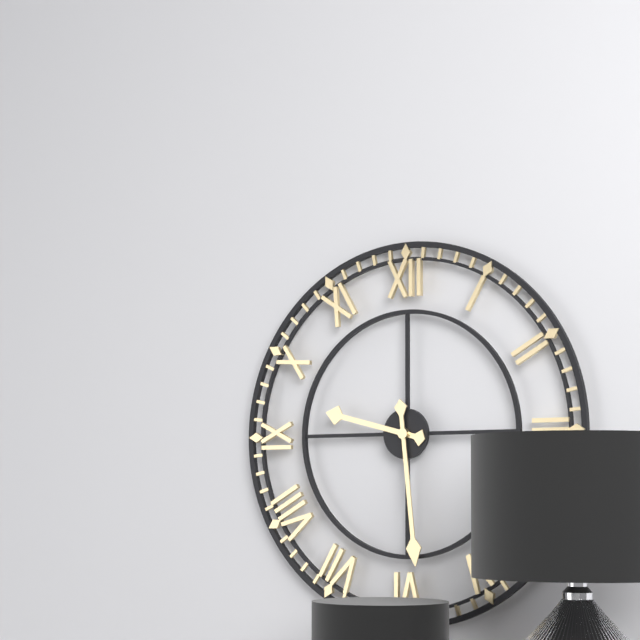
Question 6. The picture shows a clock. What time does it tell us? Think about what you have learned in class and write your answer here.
9:29
